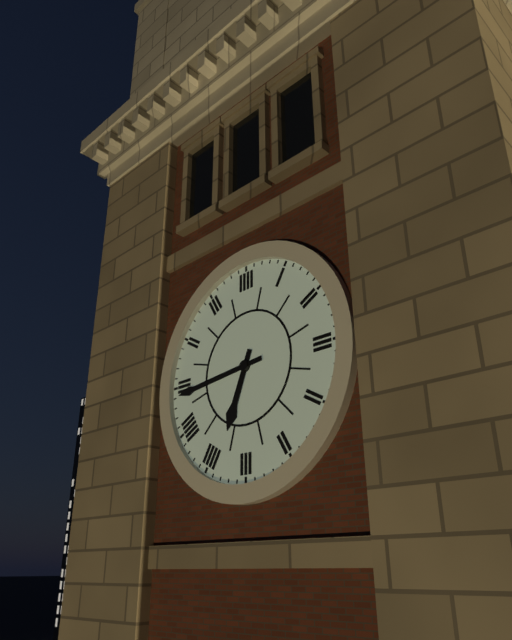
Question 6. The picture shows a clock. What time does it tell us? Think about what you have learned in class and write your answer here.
6:44
